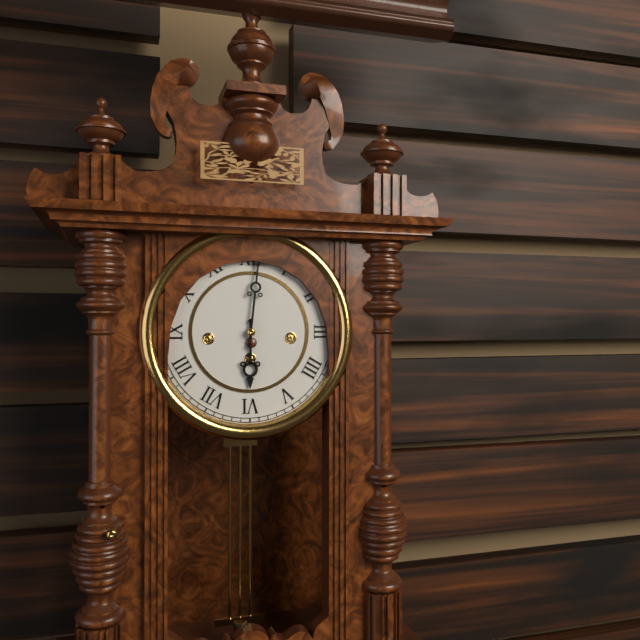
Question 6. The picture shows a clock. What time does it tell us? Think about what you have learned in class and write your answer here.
6:01
